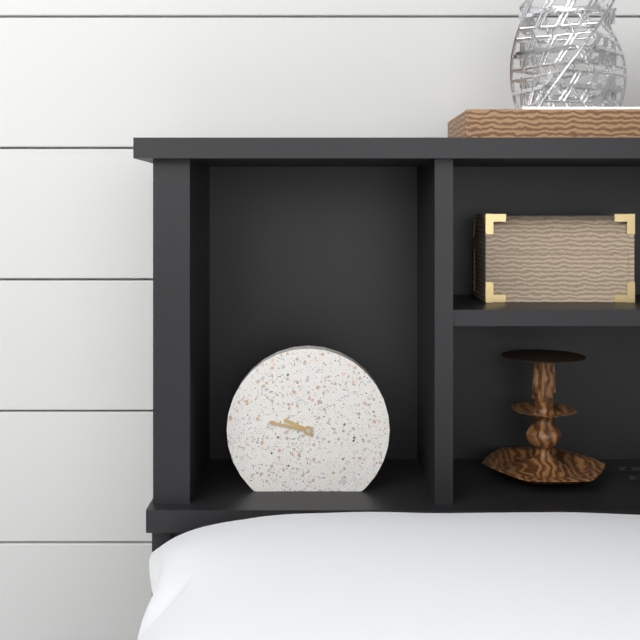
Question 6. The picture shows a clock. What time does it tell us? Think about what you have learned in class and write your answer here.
9:47
